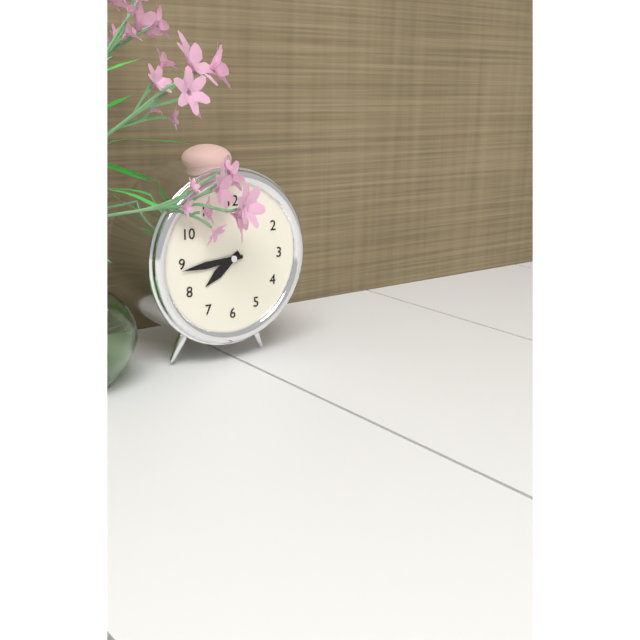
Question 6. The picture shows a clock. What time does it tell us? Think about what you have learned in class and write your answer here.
7:44
